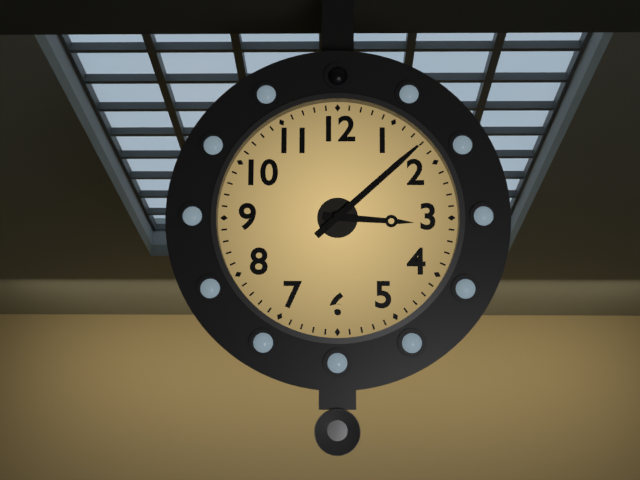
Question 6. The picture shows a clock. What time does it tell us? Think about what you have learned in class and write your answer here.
3:08
